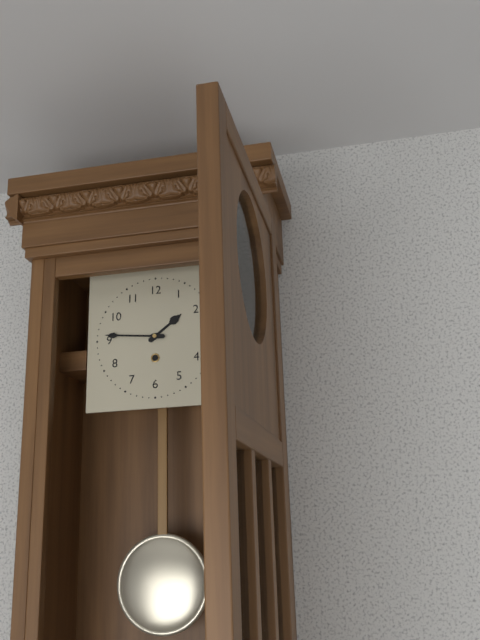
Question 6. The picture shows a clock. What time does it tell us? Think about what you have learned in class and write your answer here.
1:46
